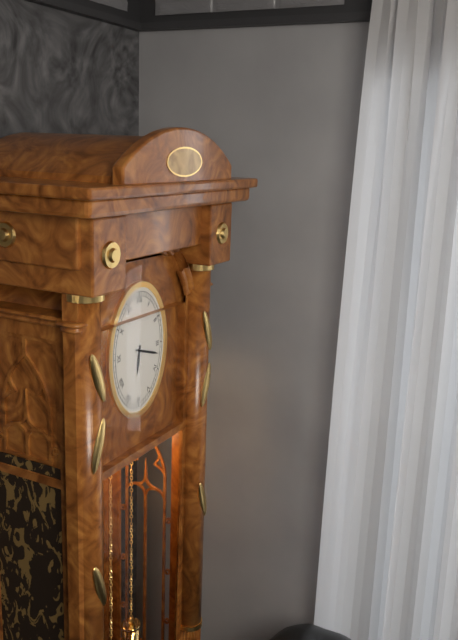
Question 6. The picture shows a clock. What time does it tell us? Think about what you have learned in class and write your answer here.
6:18
